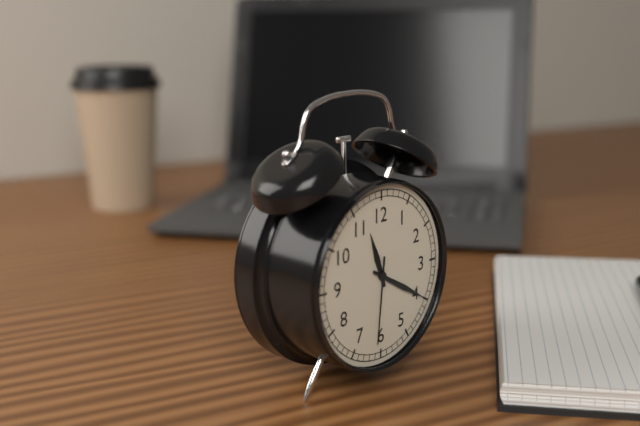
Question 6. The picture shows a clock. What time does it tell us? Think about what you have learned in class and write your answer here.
11:20:31
